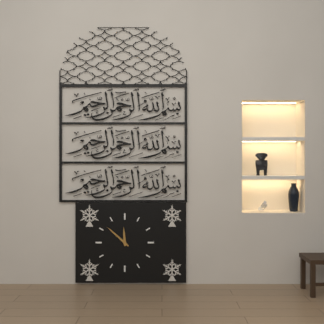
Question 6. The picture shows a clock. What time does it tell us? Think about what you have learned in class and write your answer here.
11:52
